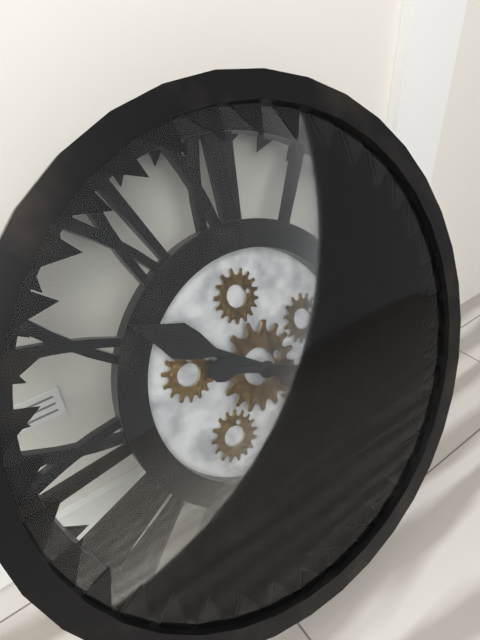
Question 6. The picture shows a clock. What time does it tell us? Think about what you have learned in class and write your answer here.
10:19
